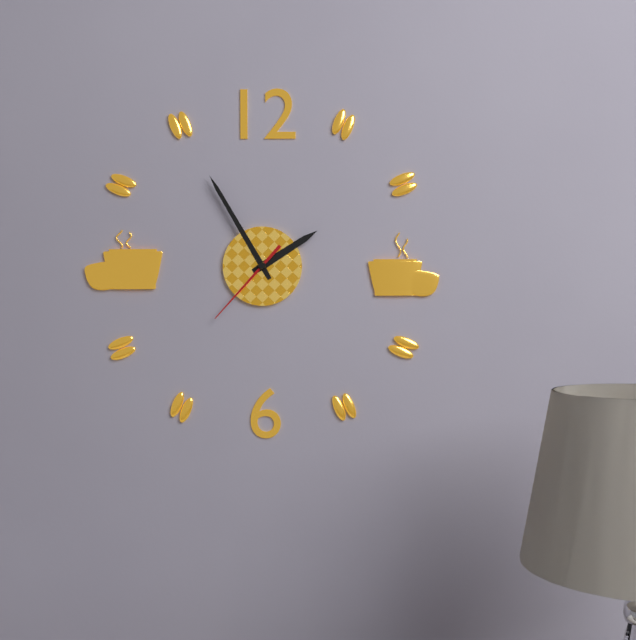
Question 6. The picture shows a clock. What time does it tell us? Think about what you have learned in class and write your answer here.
1:55:37
